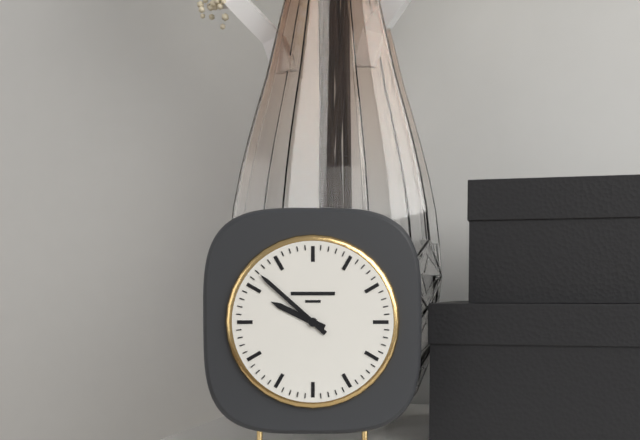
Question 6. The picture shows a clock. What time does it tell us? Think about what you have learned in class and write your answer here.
9:52
